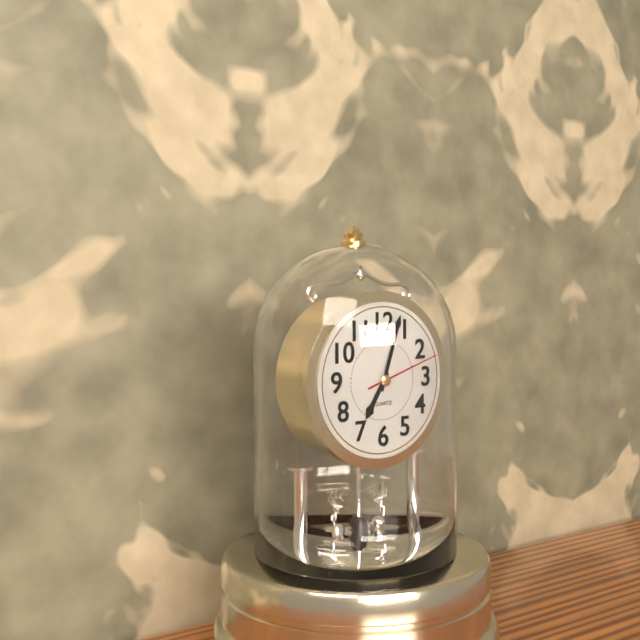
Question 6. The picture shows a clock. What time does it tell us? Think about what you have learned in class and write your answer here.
7:03:12
